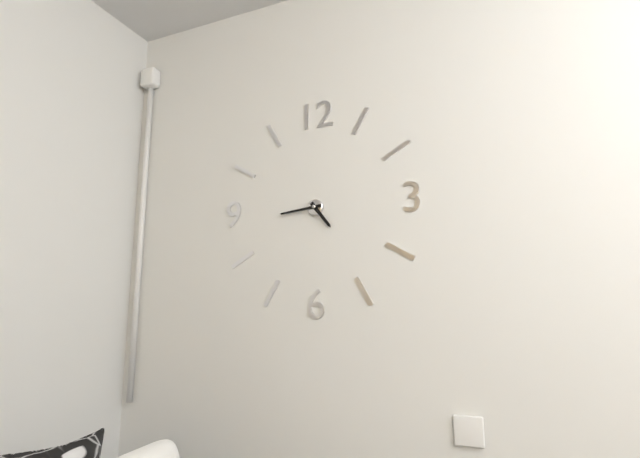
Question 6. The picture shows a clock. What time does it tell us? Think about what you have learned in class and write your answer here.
4:44
